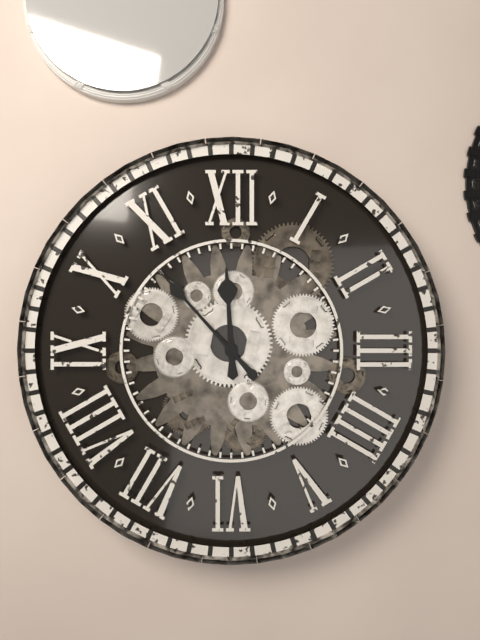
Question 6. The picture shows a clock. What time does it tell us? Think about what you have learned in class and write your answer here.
11:53
